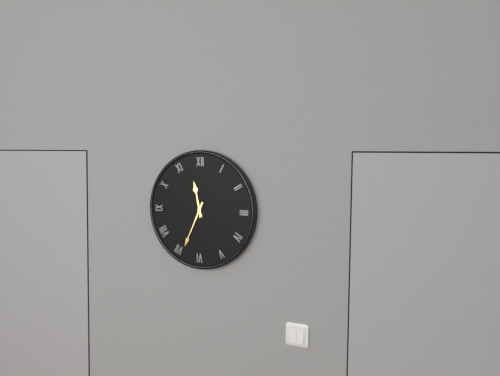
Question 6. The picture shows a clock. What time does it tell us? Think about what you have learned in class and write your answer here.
11:34
